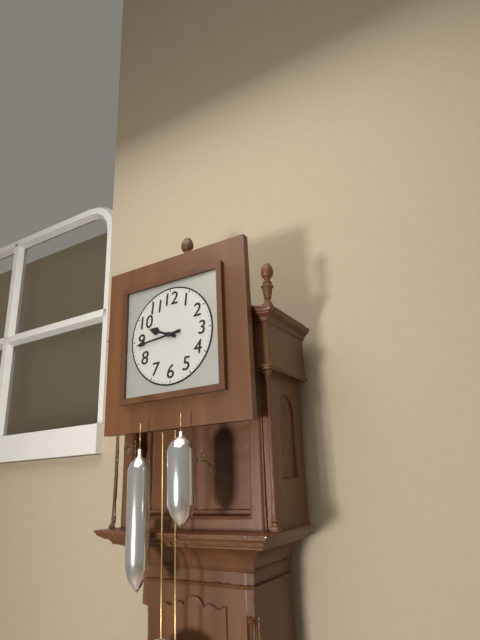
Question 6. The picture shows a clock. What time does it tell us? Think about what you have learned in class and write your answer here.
9:44
